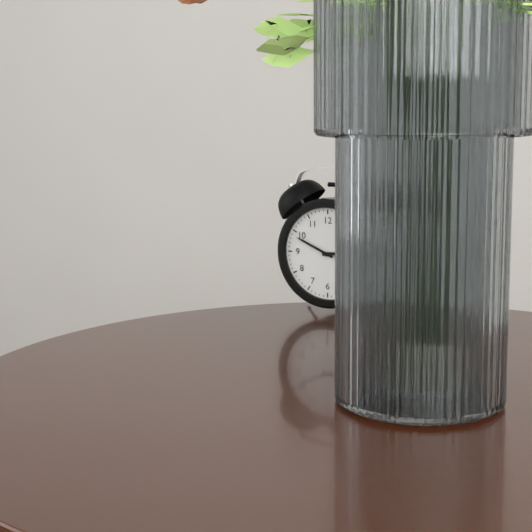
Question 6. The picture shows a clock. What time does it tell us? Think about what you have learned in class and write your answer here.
2:49
